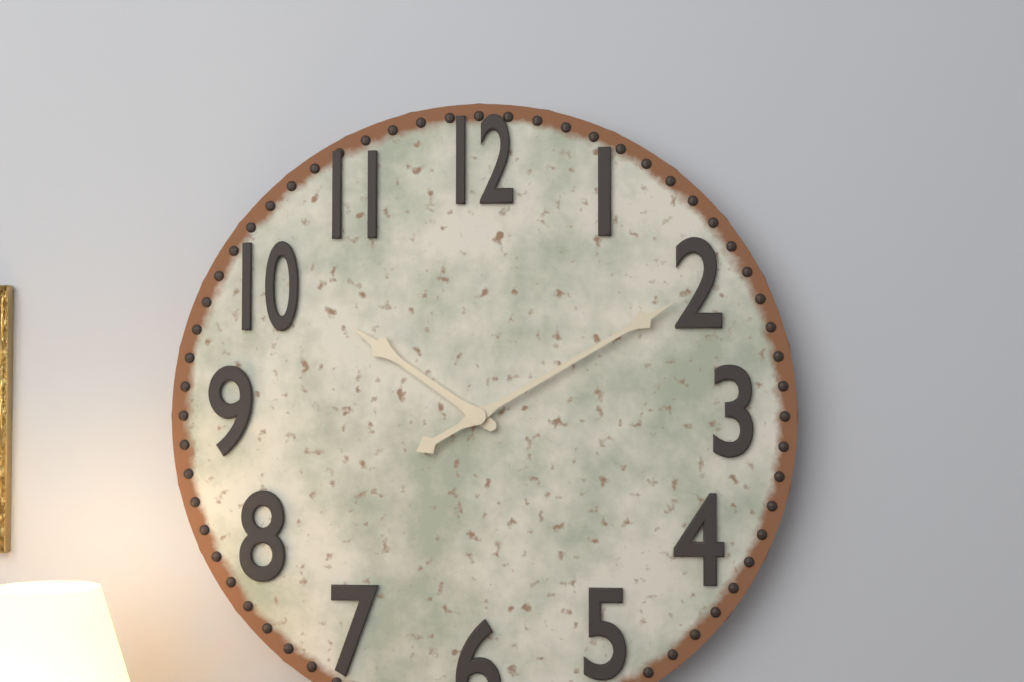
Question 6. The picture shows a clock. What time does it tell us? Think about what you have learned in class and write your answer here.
10:10
